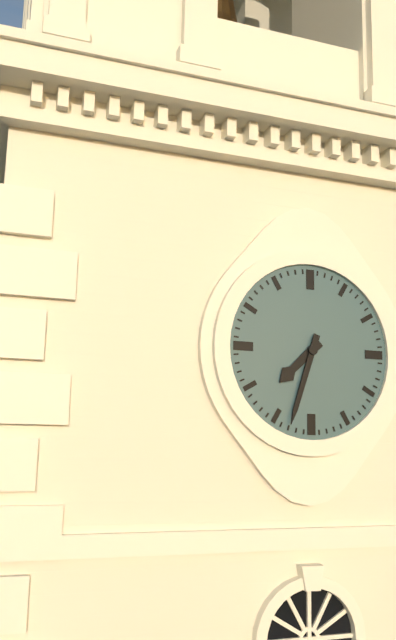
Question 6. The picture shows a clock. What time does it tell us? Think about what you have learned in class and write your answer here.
7:33
